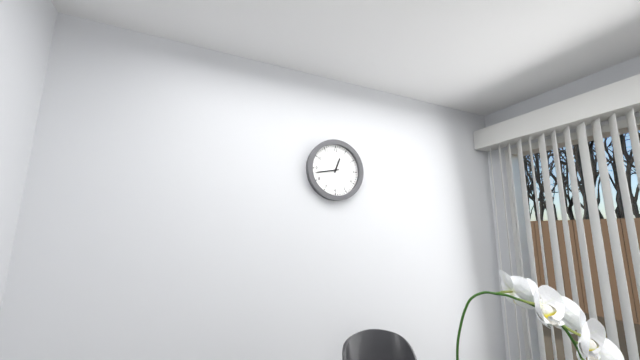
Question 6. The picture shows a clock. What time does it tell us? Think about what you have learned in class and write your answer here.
12:43
